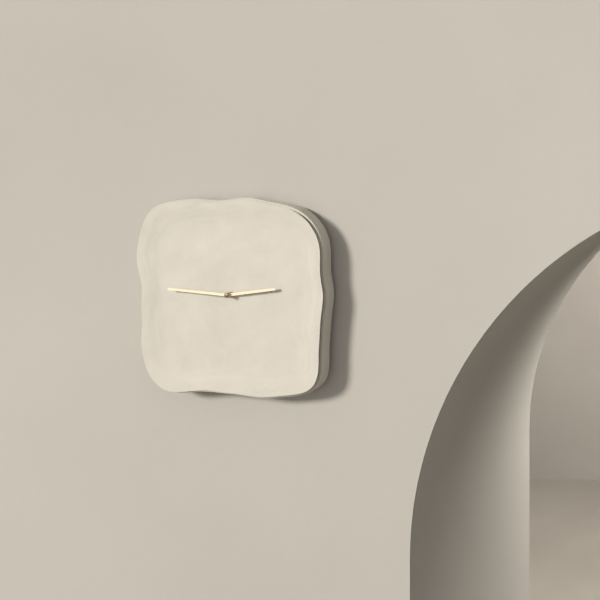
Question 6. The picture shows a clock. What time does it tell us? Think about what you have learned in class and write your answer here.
2:46
